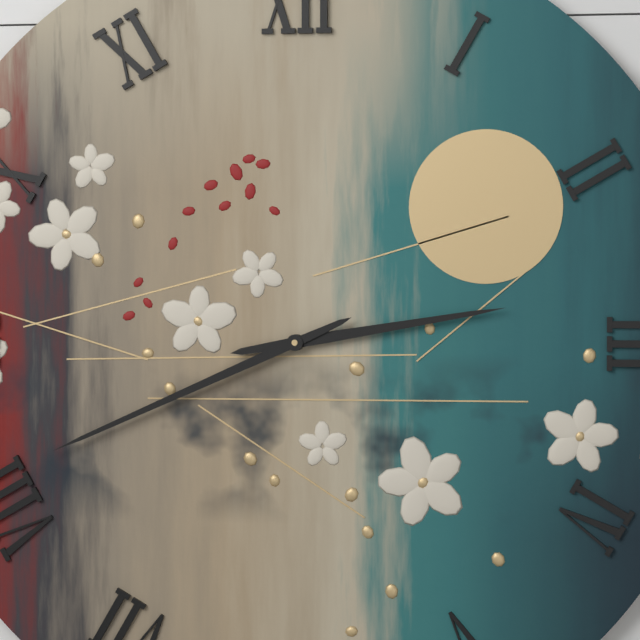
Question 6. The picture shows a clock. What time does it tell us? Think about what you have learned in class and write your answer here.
2:41
